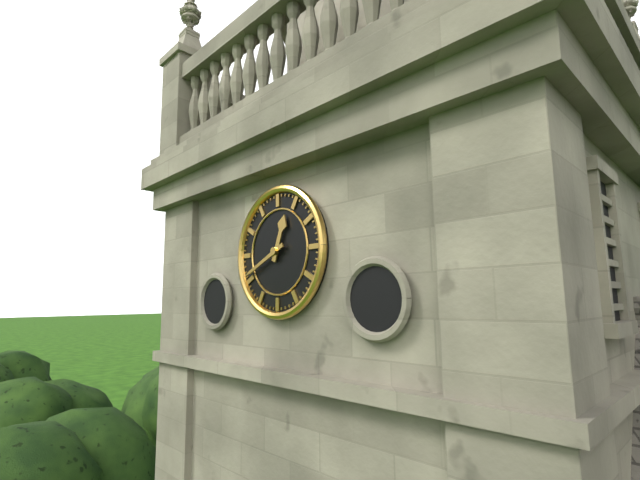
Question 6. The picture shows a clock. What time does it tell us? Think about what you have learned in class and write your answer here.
12:41
